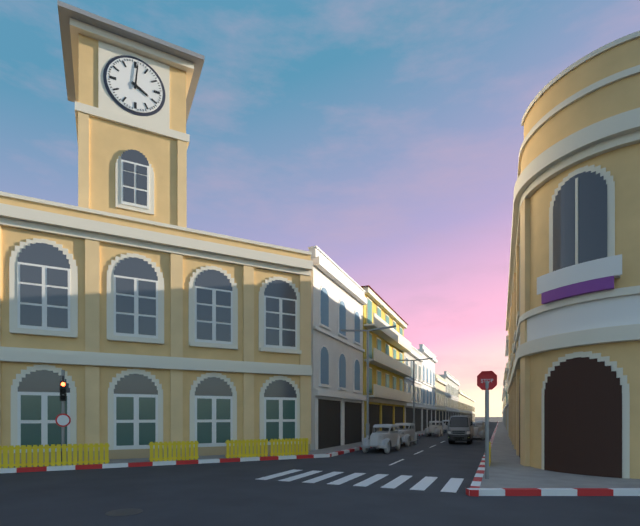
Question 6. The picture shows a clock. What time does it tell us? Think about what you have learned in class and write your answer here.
4:01
